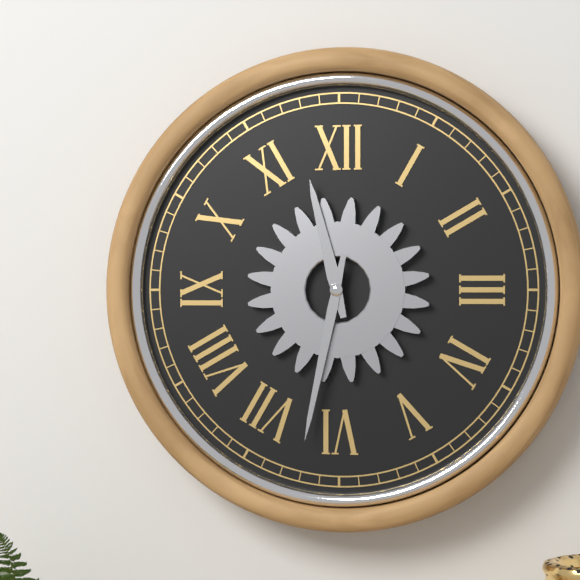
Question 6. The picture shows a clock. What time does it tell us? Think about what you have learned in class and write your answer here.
11:32
